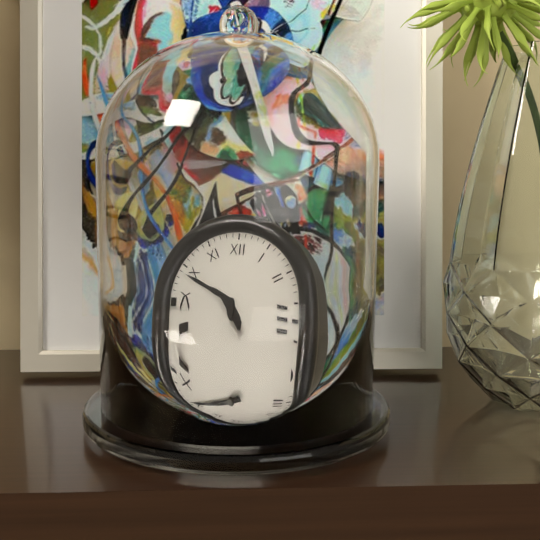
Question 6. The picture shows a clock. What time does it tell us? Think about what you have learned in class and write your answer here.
9:49
